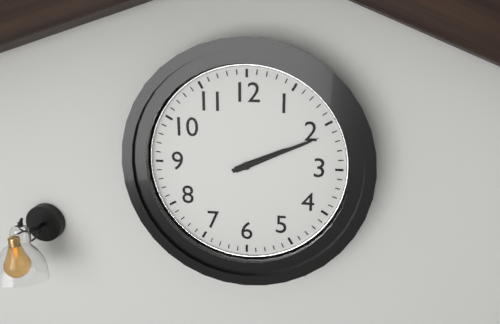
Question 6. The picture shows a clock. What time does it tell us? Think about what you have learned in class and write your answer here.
2:11
